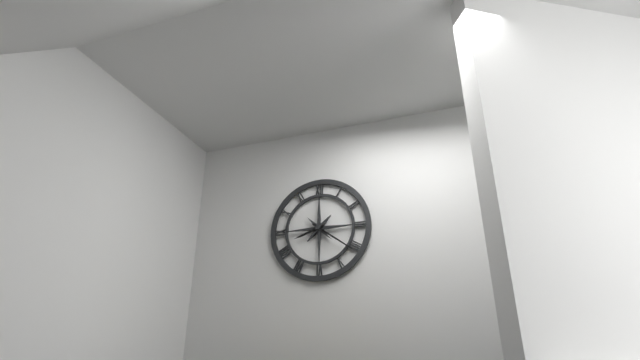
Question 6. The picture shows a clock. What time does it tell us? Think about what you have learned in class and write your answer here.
8:21
